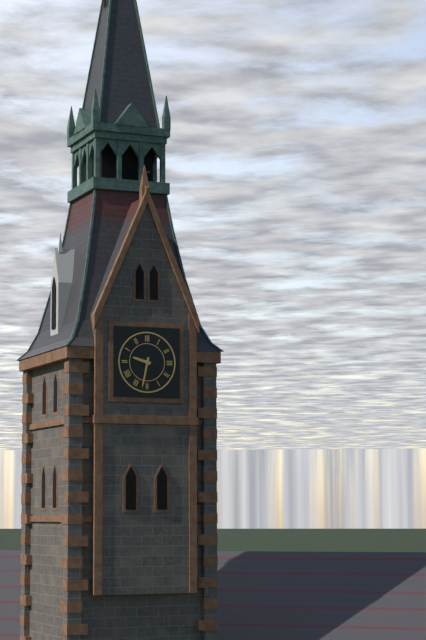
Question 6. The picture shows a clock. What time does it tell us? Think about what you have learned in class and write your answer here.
9:32
